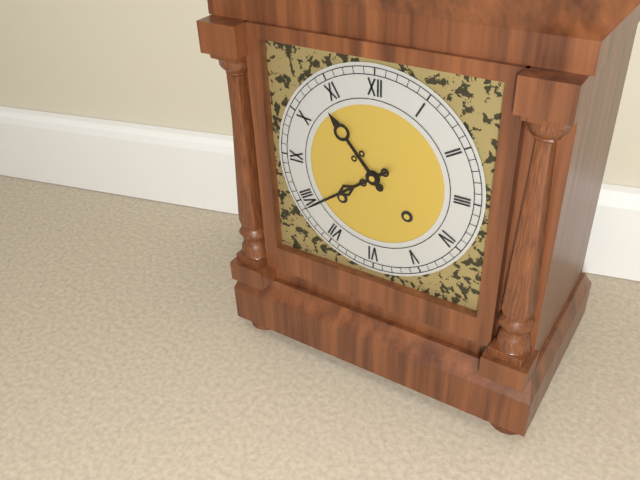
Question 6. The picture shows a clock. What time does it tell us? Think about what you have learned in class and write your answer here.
10:39
